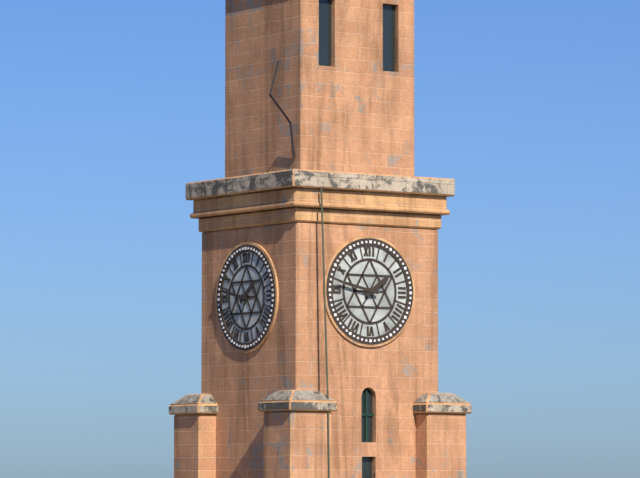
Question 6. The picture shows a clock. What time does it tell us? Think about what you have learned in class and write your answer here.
1:47
